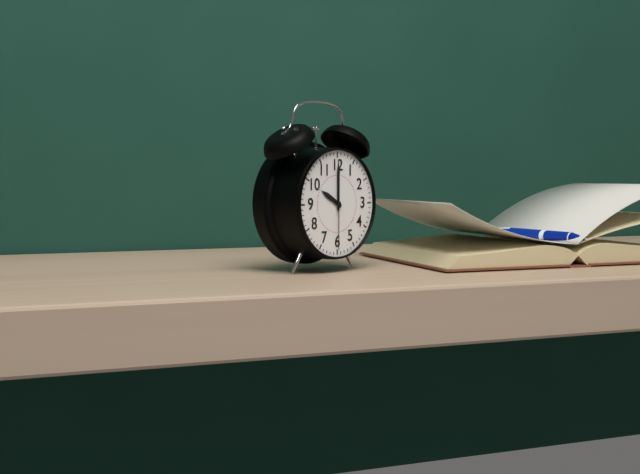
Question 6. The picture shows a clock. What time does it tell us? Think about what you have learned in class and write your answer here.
10:00:30
